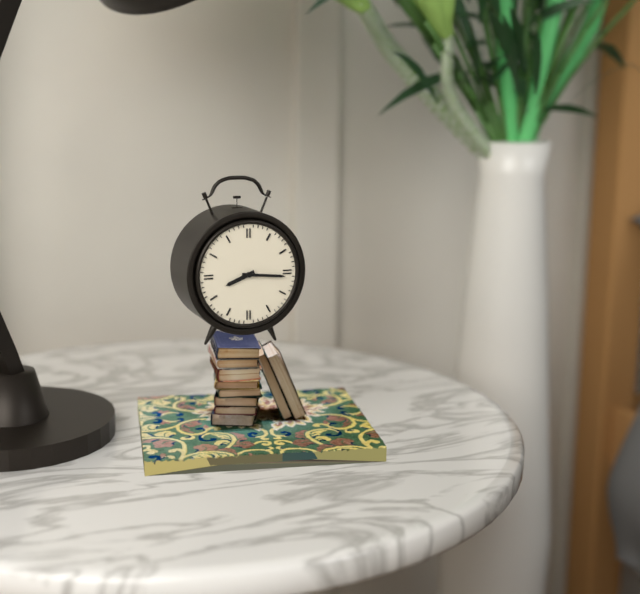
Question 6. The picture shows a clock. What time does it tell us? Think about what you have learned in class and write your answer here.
8:16
